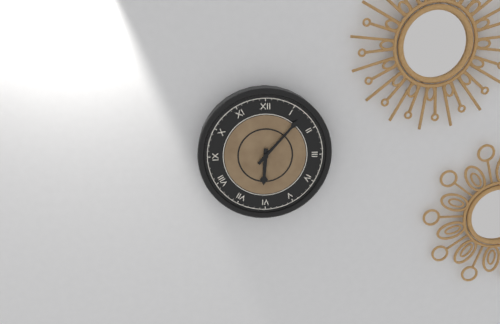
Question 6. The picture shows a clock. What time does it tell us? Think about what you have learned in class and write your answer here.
6:07
